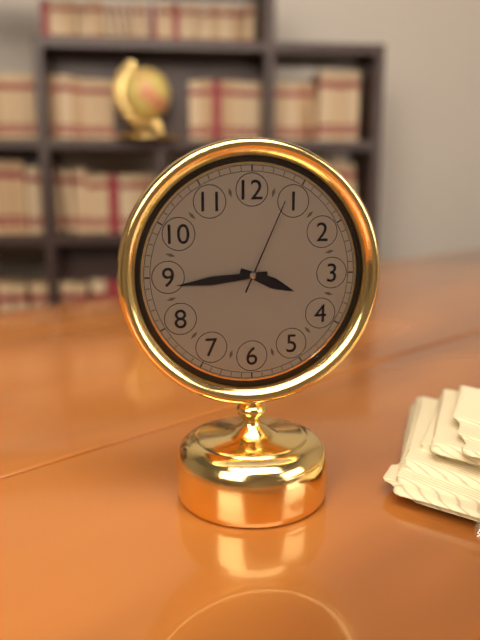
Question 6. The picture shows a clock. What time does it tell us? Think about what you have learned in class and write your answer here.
3:44:04
